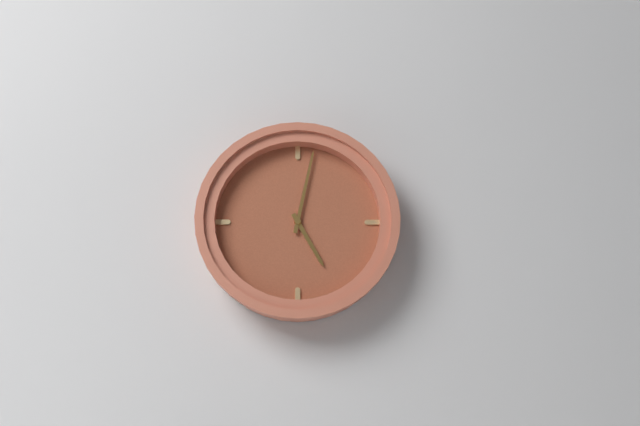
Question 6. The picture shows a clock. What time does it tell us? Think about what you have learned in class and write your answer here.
5:02
